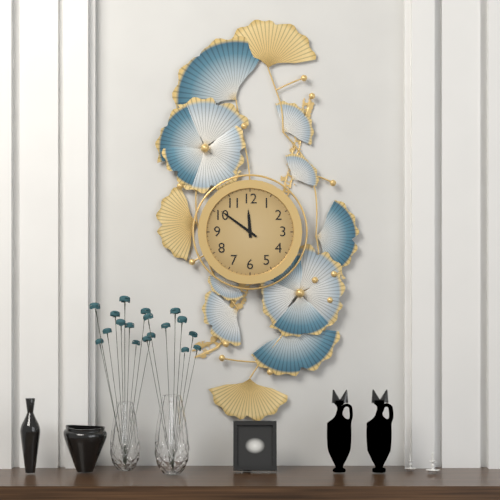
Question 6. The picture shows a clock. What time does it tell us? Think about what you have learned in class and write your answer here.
11:51
